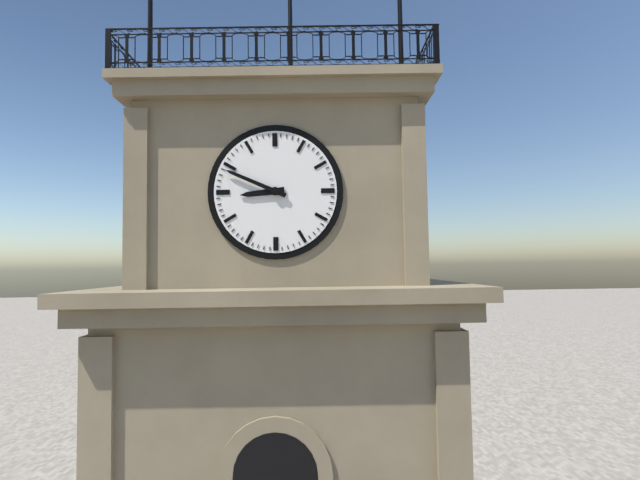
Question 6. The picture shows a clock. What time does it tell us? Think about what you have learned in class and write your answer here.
8:49
